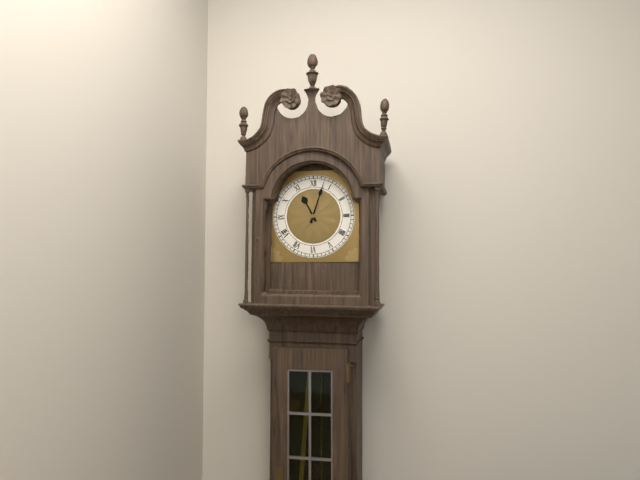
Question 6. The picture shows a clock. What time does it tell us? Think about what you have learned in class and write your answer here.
11:03
